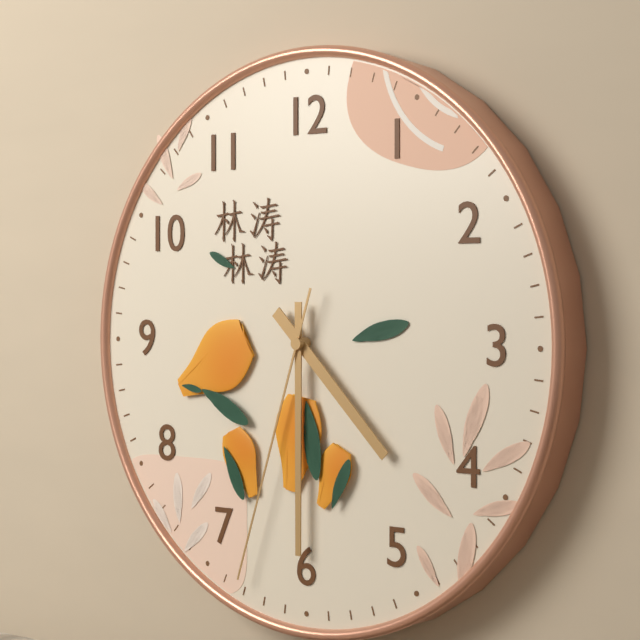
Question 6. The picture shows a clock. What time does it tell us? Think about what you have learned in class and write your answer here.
4:30:33
